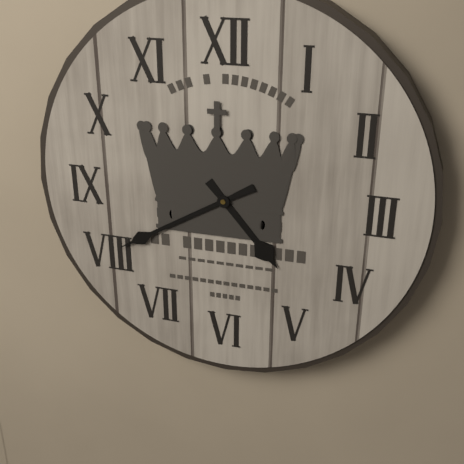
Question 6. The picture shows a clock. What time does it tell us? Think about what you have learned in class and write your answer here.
4:40
